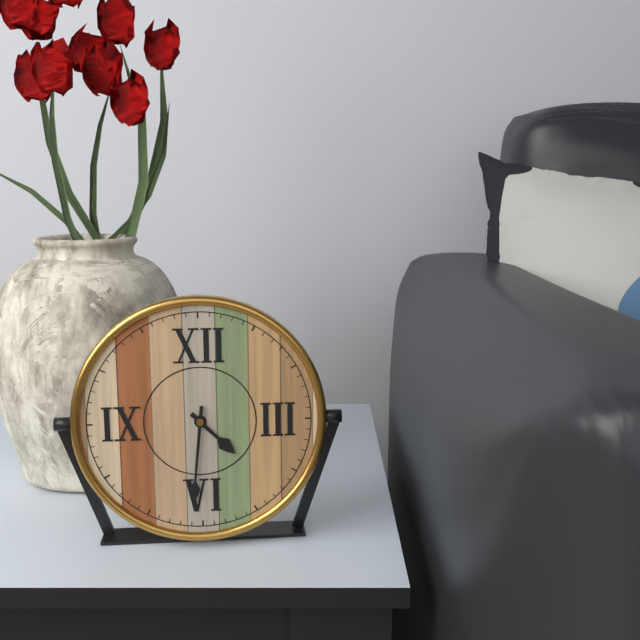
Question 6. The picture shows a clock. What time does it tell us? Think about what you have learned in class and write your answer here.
4:31
